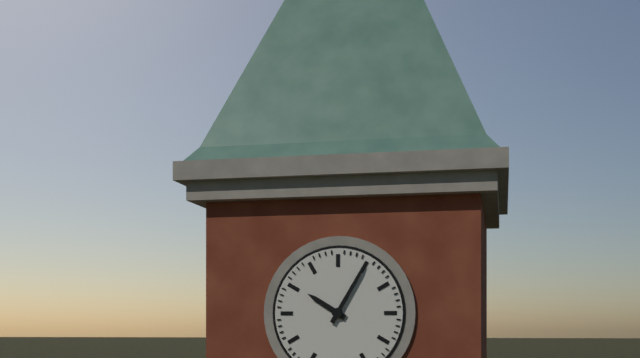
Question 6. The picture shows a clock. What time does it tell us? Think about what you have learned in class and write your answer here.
10:05
